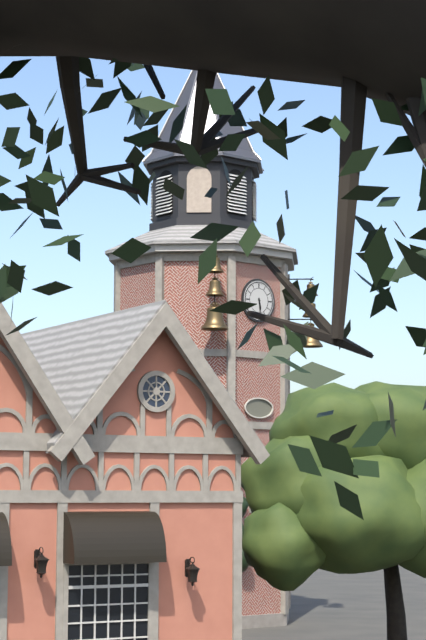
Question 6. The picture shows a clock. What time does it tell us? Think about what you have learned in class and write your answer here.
5:29
